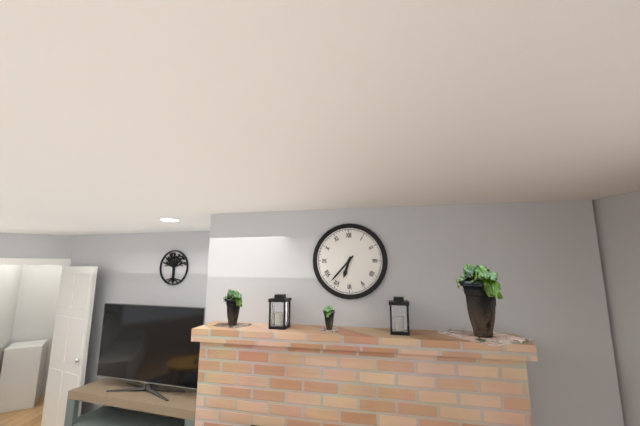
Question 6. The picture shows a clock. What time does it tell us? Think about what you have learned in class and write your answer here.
6:37
